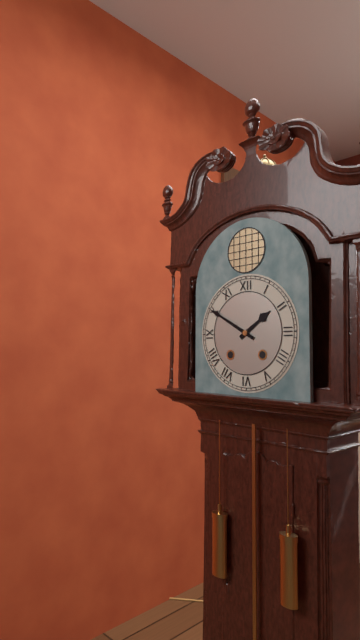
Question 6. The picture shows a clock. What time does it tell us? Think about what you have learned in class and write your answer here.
1:50
